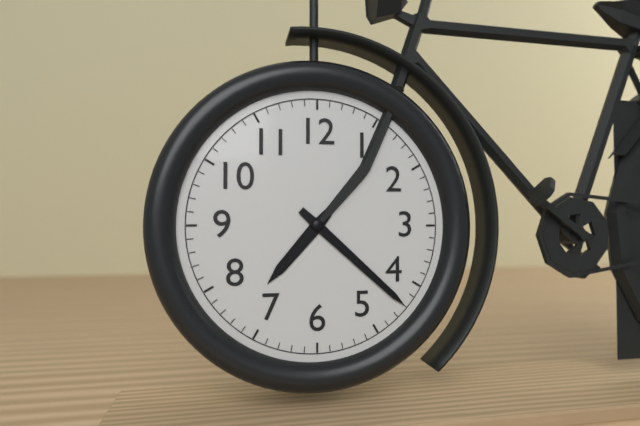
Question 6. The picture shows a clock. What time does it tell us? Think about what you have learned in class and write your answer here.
7:22
